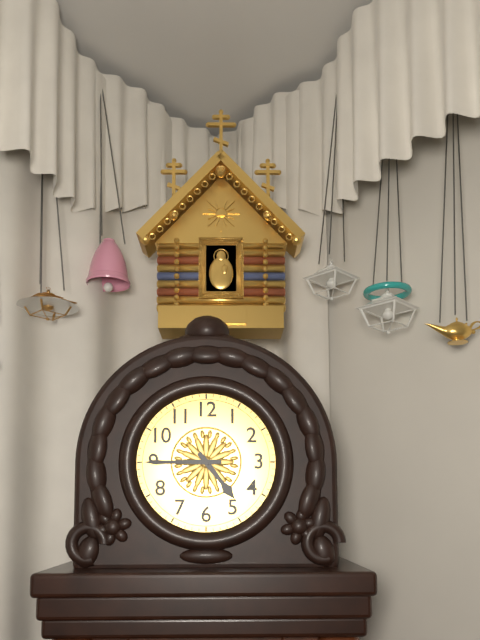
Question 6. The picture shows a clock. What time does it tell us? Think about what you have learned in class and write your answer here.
4:45
